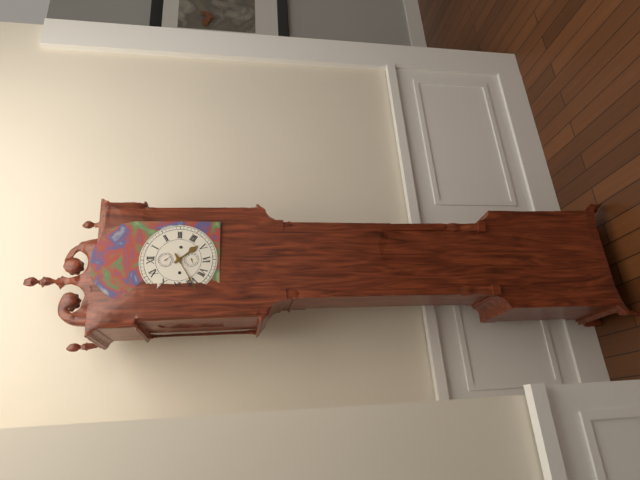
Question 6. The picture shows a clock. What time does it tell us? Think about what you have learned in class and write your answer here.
4:40
